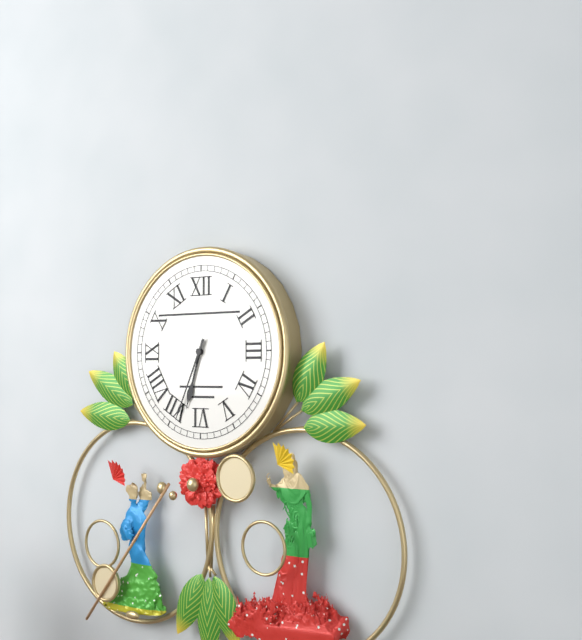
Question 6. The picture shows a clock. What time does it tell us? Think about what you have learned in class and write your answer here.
6:34
